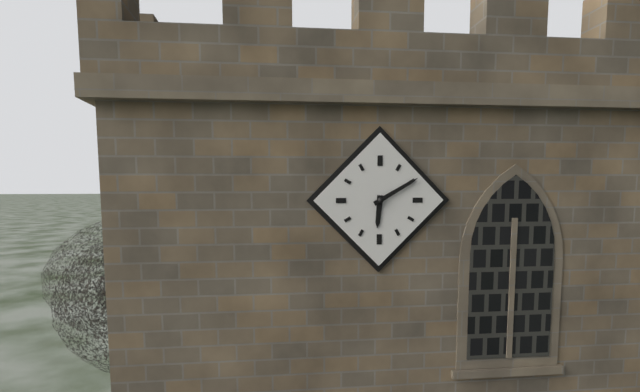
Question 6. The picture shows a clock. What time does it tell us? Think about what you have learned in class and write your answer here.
6:10
